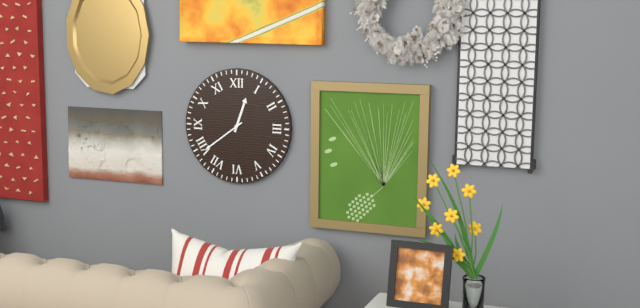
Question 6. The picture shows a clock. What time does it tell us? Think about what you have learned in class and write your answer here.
12:39
